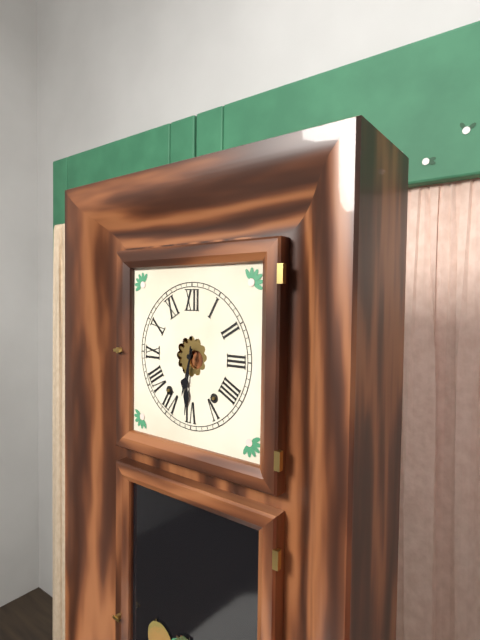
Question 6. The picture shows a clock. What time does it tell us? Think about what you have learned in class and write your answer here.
6:31
